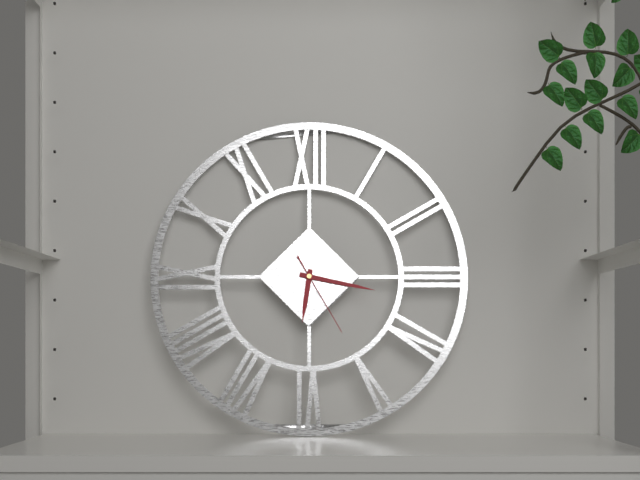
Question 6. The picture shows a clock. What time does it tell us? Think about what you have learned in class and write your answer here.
6:17:25
